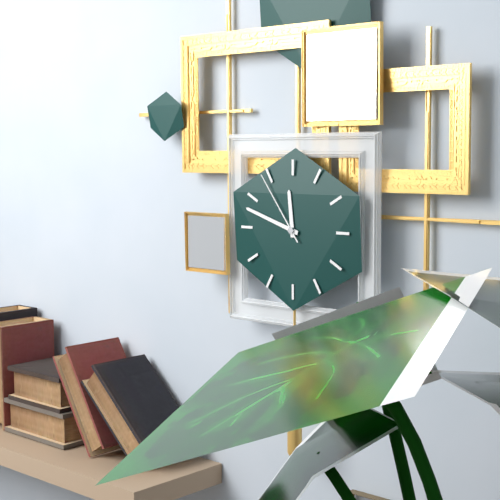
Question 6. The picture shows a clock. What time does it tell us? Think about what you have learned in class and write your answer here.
11:48:54
